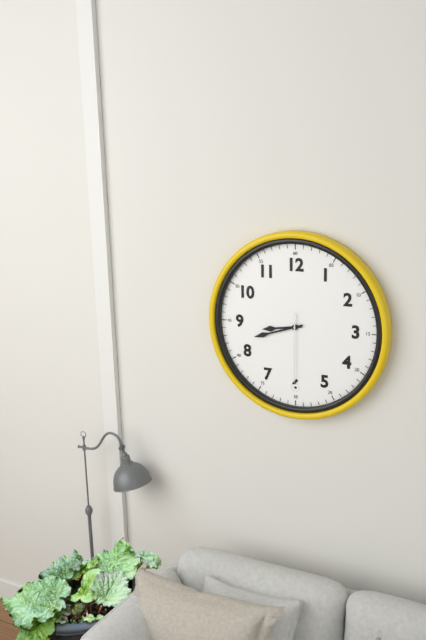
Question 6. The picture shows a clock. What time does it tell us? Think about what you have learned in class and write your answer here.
8:42:30
